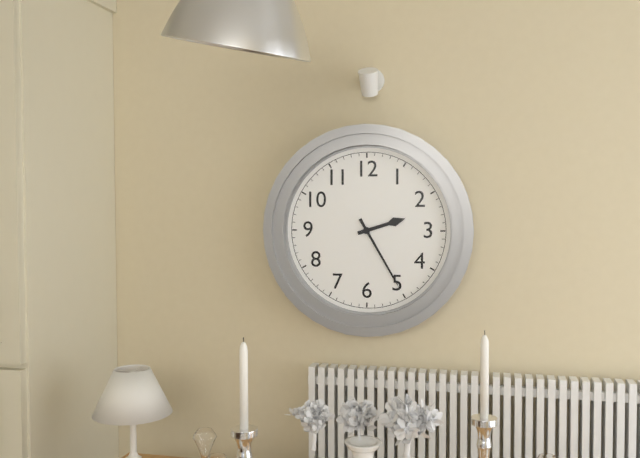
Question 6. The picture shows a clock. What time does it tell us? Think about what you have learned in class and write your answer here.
2:25
